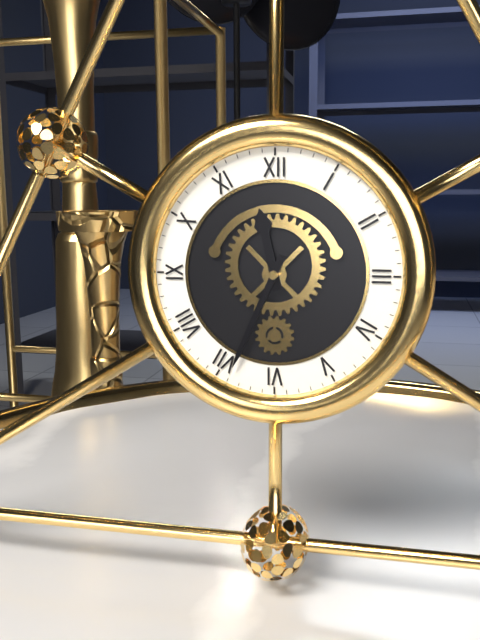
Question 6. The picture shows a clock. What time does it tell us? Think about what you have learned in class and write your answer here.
11:34
